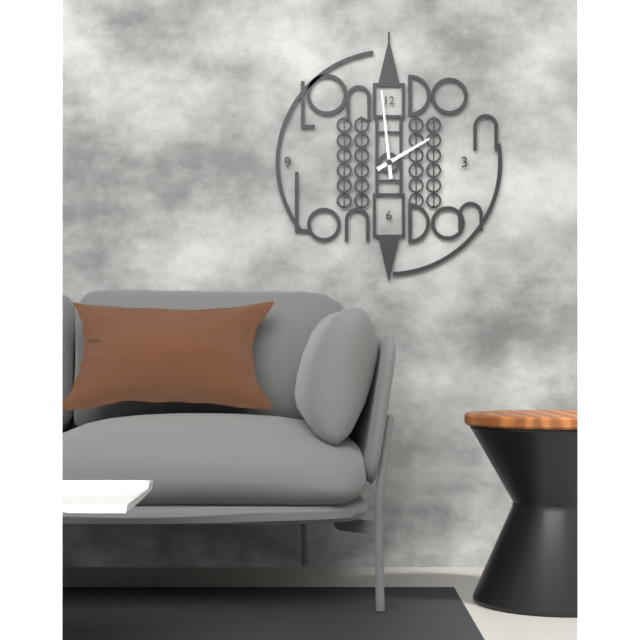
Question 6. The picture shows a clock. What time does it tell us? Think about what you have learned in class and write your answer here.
1:59
